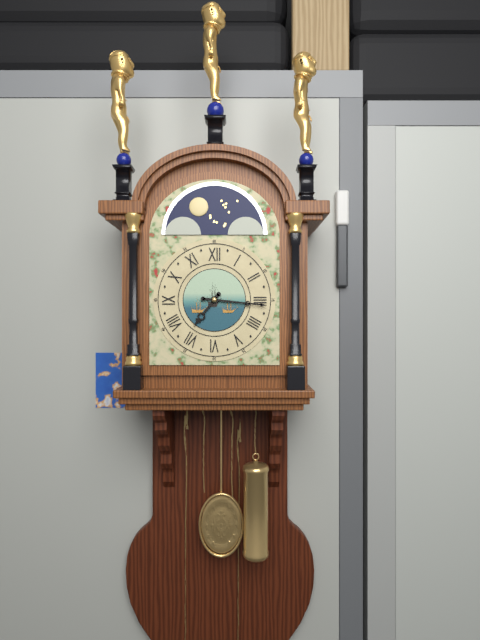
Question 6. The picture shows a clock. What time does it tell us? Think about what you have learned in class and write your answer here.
7:16
